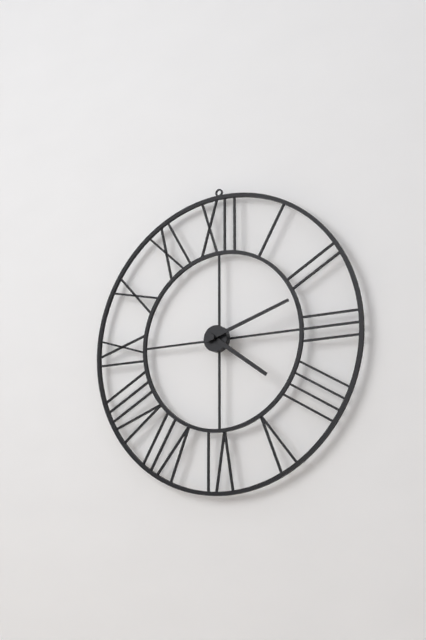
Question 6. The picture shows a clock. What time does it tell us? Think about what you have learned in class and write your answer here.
4:12
